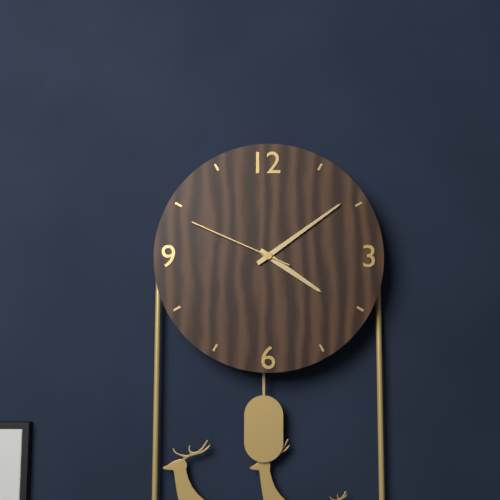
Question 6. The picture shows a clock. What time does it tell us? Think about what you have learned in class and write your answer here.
4:09:49
